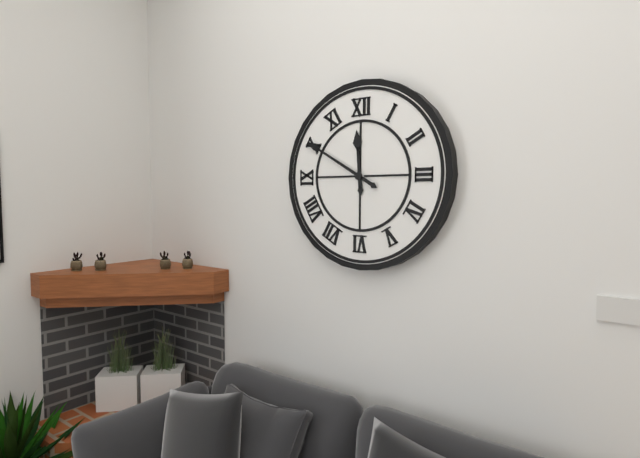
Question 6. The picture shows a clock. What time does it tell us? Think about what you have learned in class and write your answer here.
11:50
